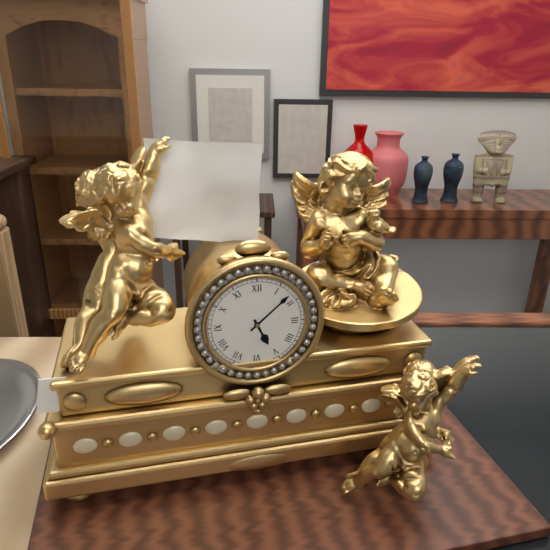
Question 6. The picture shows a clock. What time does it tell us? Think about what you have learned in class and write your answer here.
5:08
